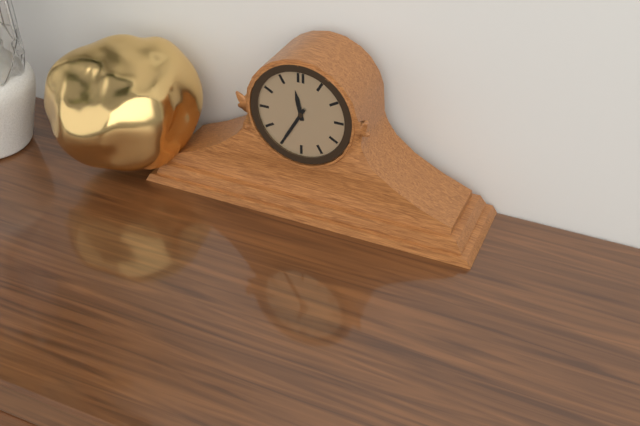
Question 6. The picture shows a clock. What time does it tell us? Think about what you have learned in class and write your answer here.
11:35
